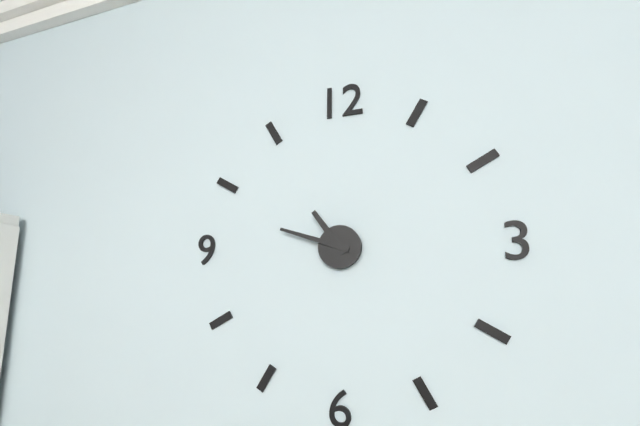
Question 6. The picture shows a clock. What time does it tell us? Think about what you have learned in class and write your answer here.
10:48
